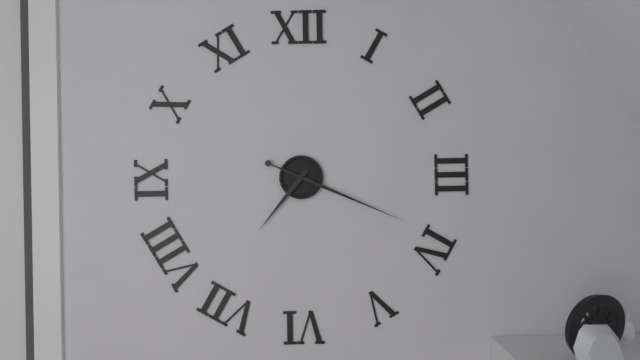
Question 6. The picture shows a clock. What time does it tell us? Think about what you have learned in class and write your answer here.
7:19
